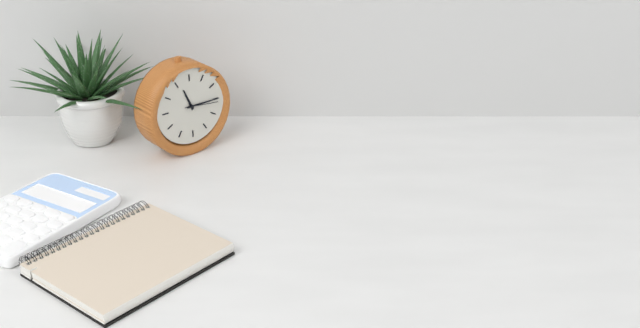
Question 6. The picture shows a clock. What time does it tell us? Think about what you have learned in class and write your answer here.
11:15
